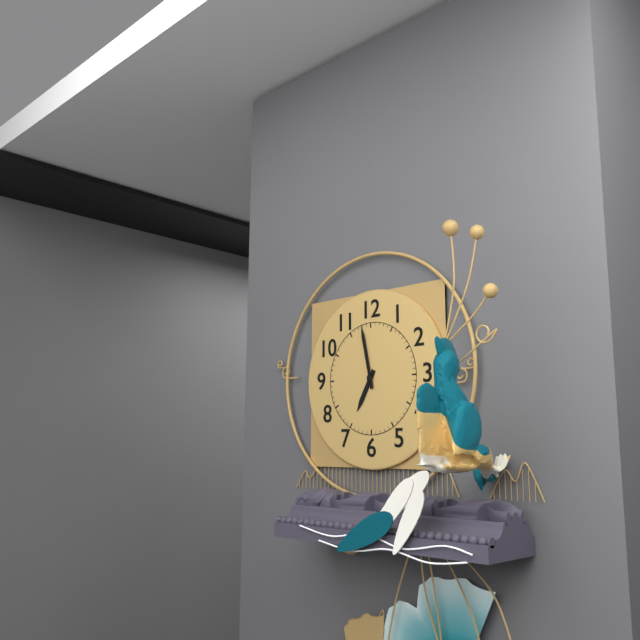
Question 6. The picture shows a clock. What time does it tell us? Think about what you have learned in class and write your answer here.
6:58
